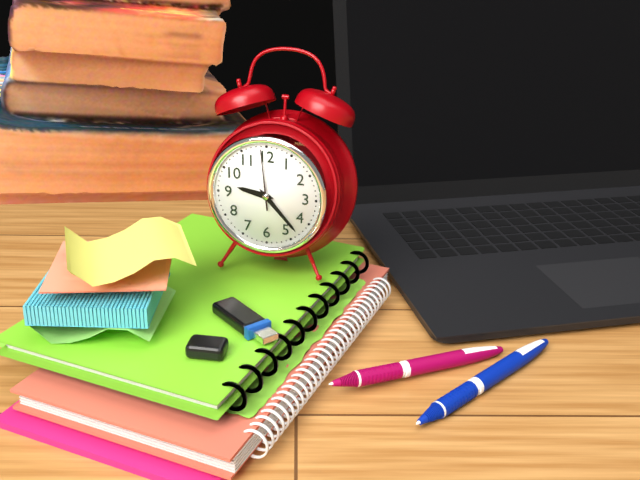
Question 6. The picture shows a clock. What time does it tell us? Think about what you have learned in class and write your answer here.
9:23:59
